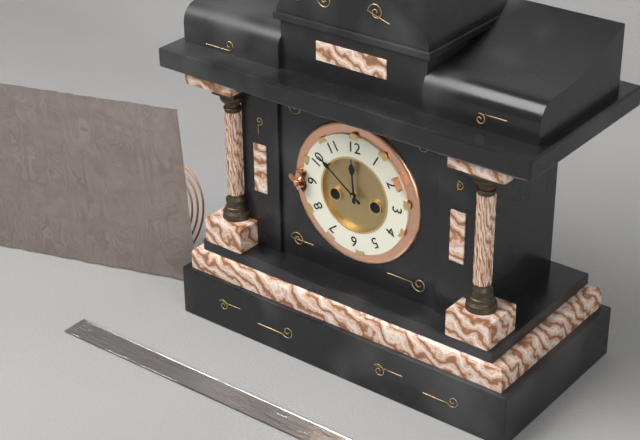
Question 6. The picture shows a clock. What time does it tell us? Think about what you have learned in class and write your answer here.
11:51
